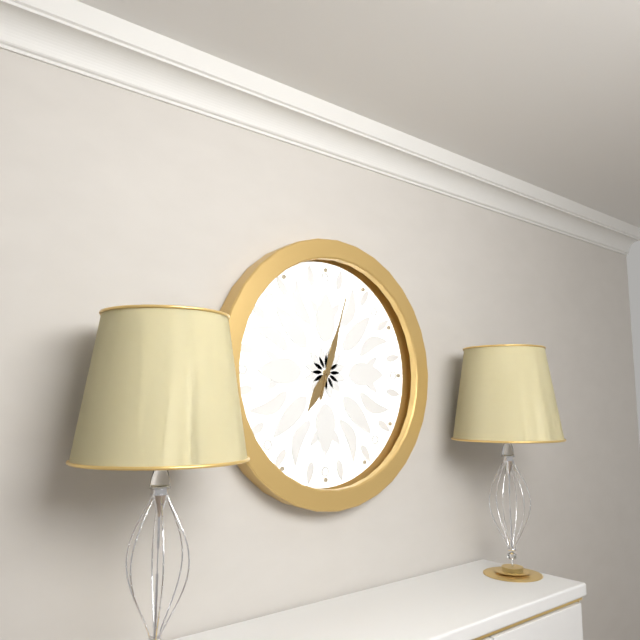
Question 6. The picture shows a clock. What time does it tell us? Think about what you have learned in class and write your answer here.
7:03
